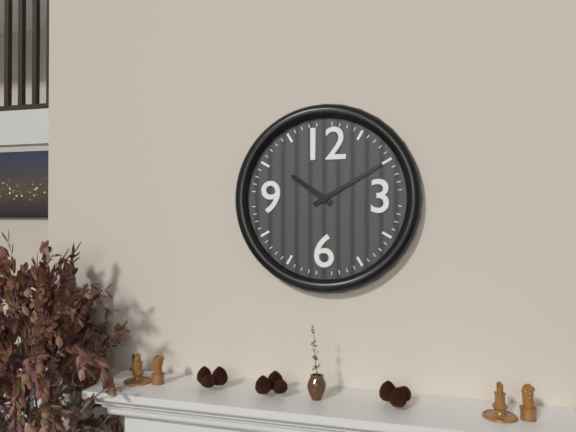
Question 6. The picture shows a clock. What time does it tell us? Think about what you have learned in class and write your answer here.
10:10
